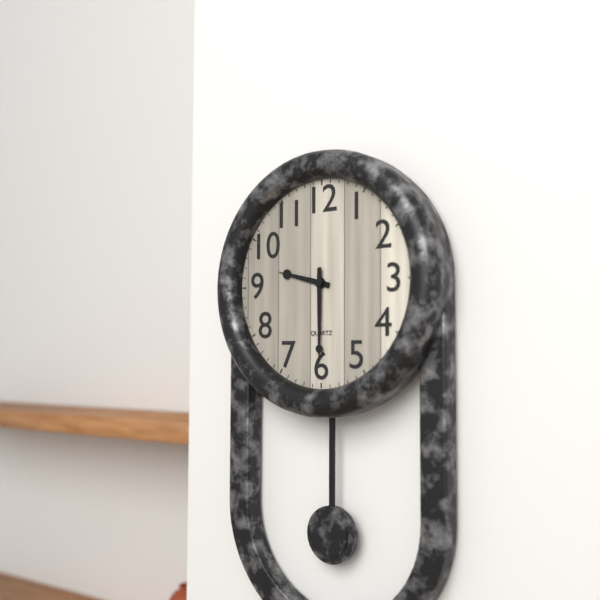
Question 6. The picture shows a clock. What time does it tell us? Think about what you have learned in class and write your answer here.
9:30
